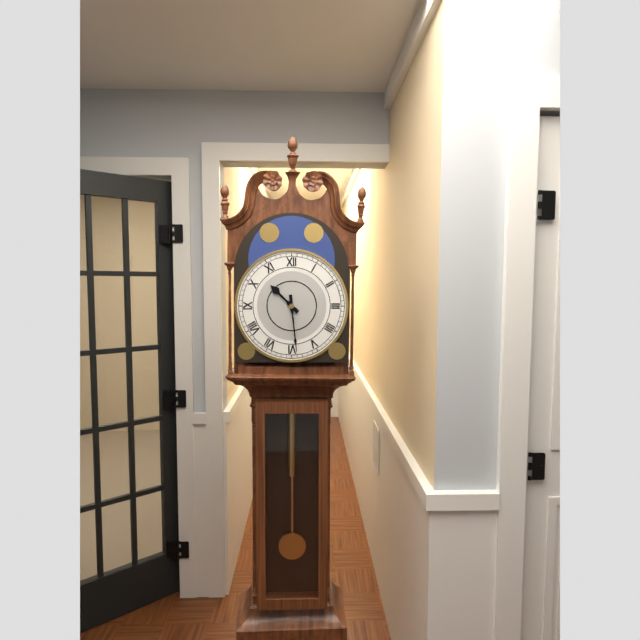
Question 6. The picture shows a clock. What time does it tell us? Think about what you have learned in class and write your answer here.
10:29
